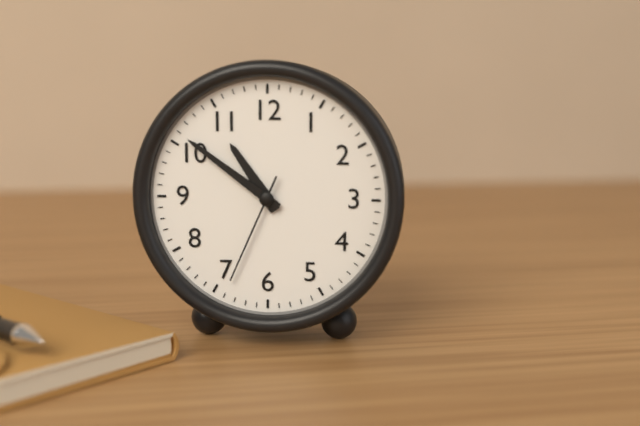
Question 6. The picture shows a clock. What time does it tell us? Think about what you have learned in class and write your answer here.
10:51:34
